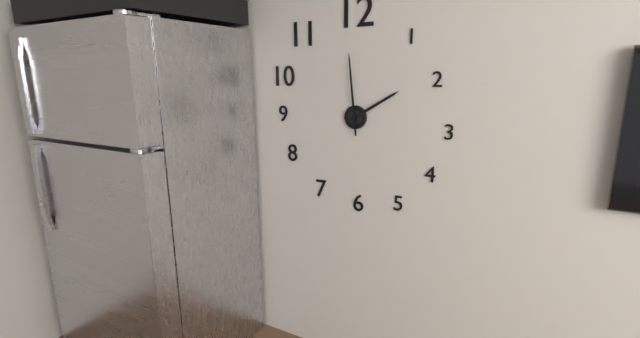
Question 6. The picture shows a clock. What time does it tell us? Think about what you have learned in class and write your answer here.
1:59
